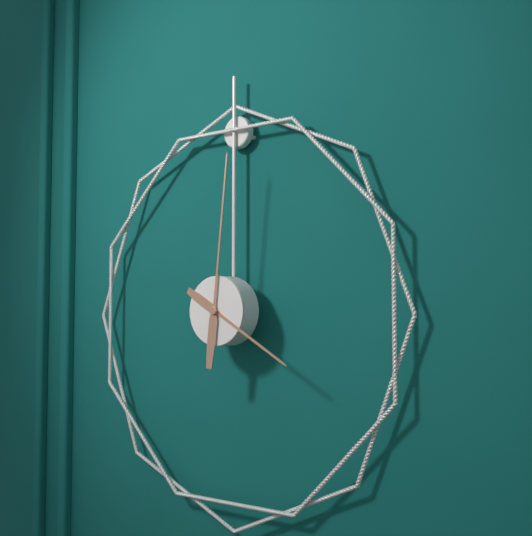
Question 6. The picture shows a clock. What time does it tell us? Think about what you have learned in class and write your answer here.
4:01
